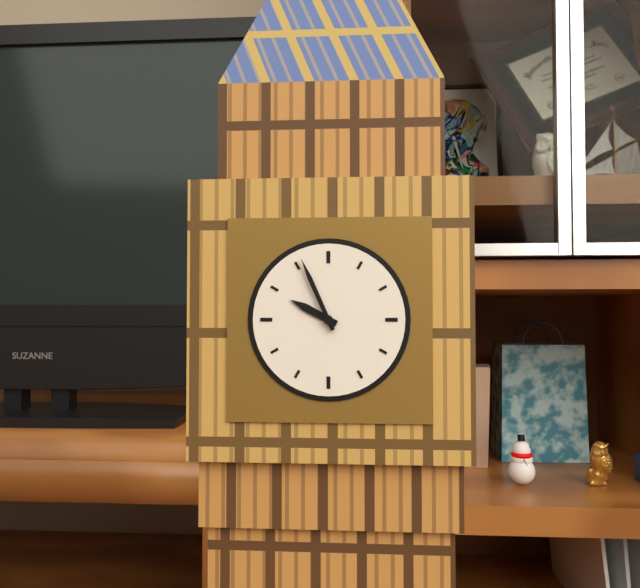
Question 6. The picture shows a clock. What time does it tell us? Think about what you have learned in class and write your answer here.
9:56
